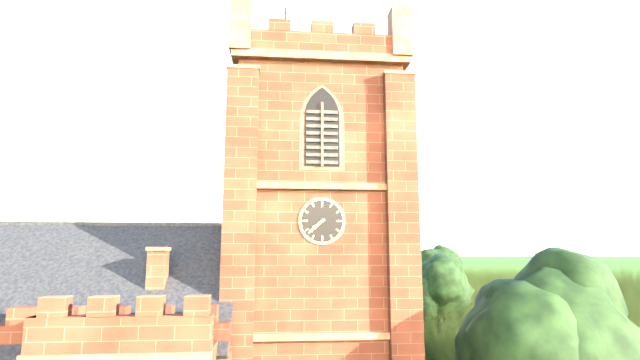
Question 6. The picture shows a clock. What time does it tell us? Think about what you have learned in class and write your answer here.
7:38
